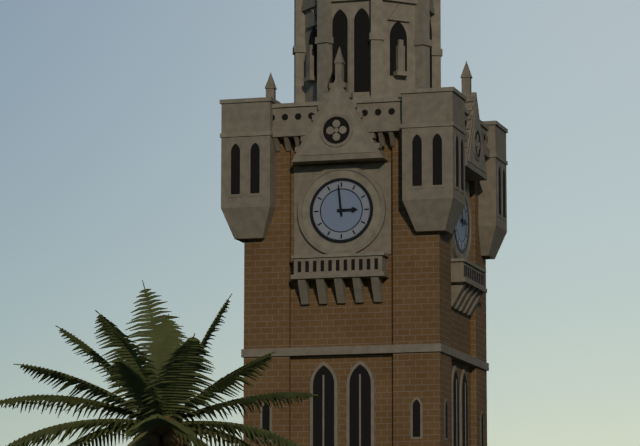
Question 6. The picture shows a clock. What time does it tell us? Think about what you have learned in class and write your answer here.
2:59
